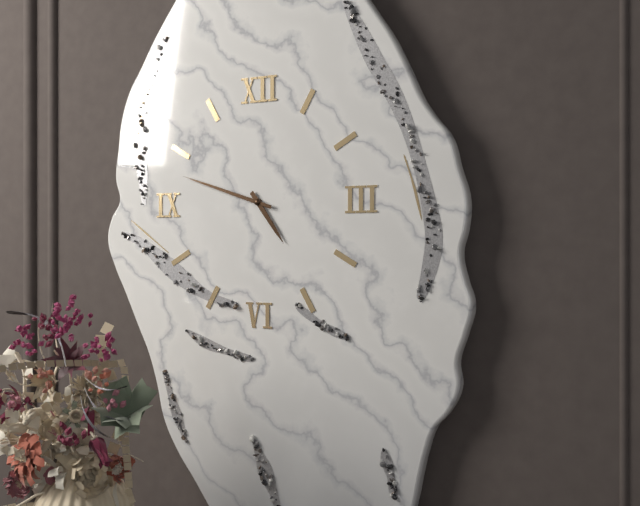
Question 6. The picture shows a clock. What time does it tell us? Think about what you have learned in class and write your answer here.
4:48
